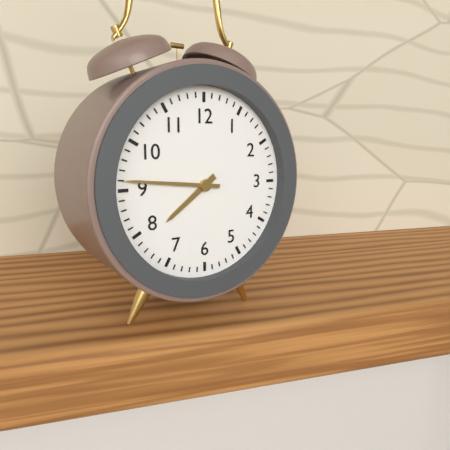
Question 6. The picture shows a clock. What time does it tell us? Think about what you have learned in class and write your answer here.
7:46
